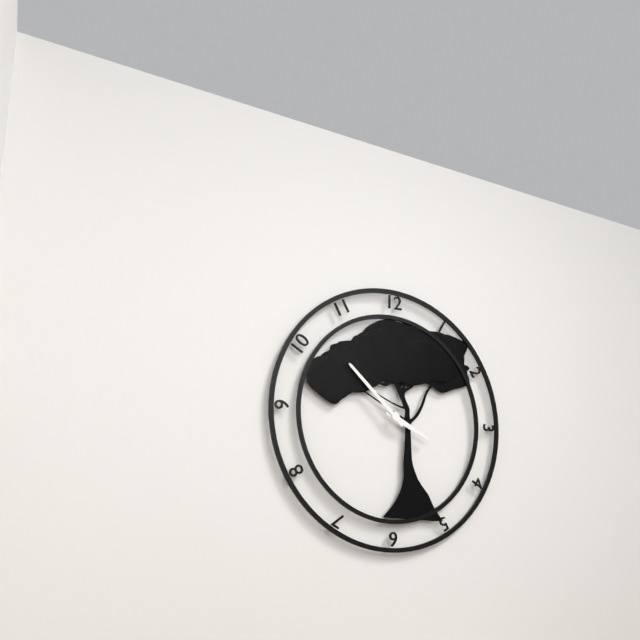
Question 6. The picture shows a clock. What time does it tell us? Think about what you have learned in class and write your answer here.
3:52
